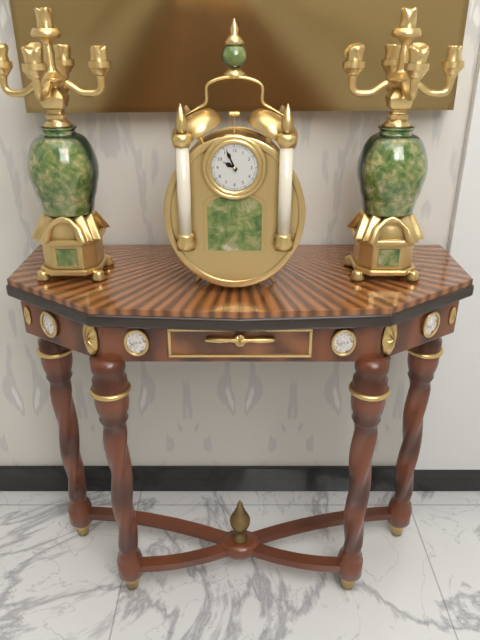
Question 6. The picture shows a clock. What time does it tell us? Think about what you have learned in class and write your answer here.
9:56
